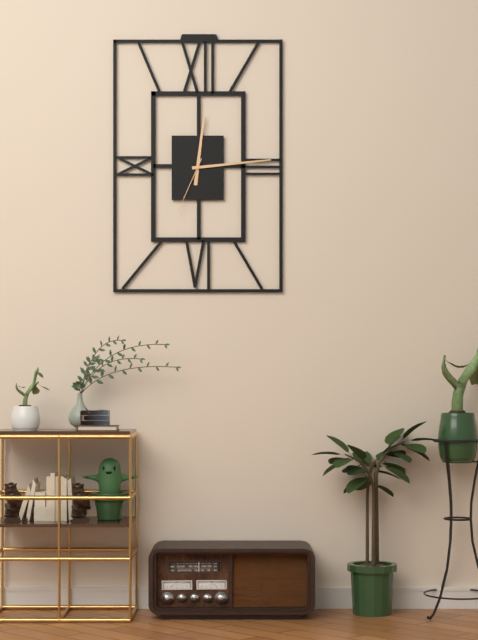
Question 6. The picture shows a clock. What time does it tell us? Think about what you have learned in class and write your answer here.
12:14:34
